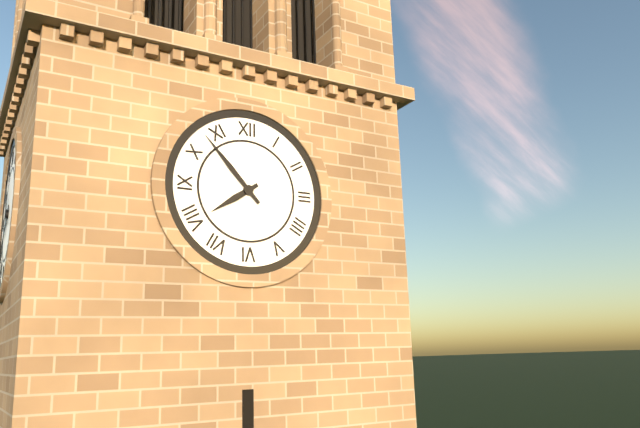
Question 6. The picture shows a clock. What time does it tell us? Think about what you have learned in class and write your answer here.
7:53
